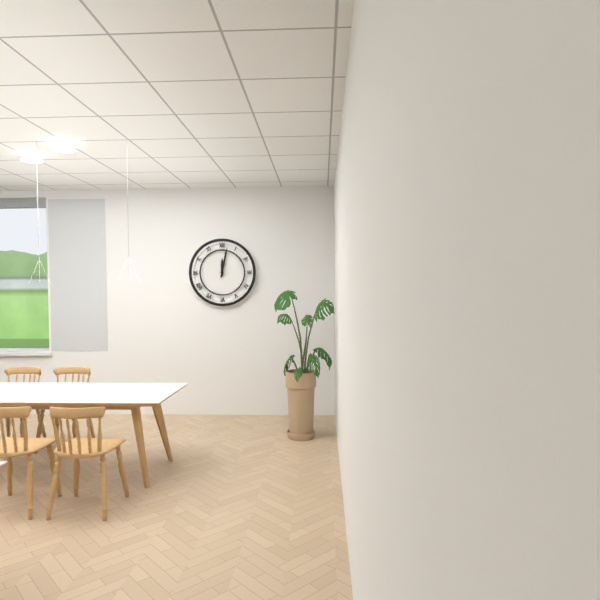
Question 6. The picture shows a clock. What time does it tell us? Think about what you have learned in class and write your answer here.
12:02
